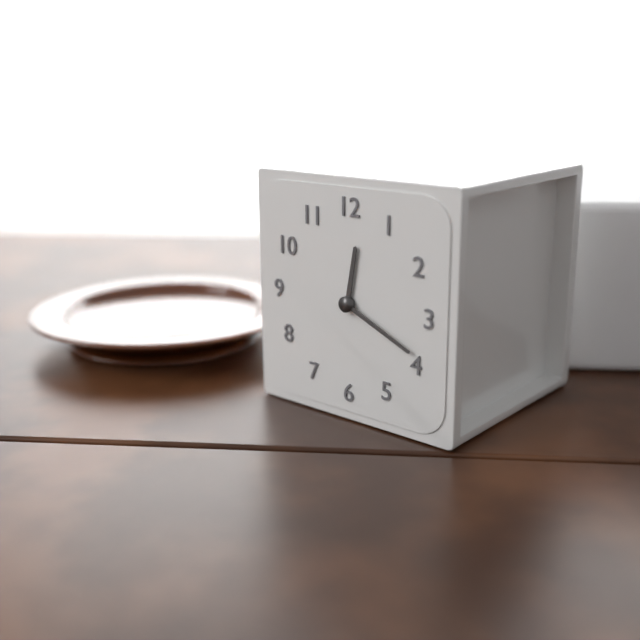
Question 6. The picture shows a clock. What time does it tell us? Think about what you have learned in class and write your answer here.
12:19
